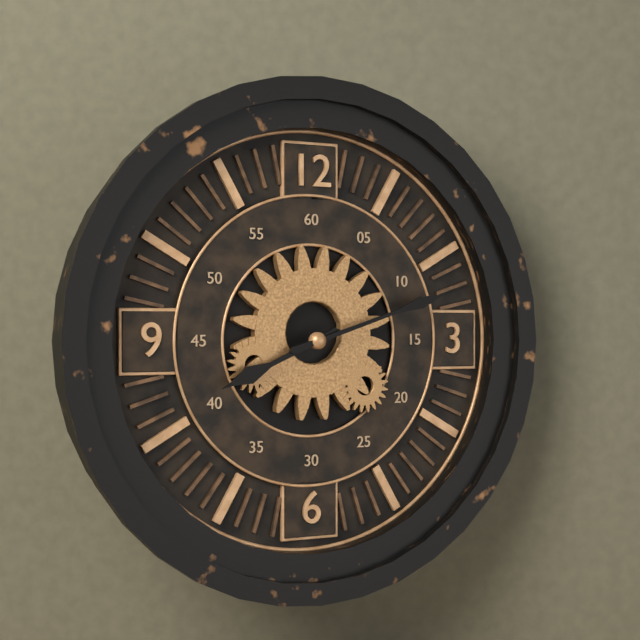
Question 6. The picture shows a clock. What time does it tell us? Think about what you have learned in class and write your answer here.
8:12
